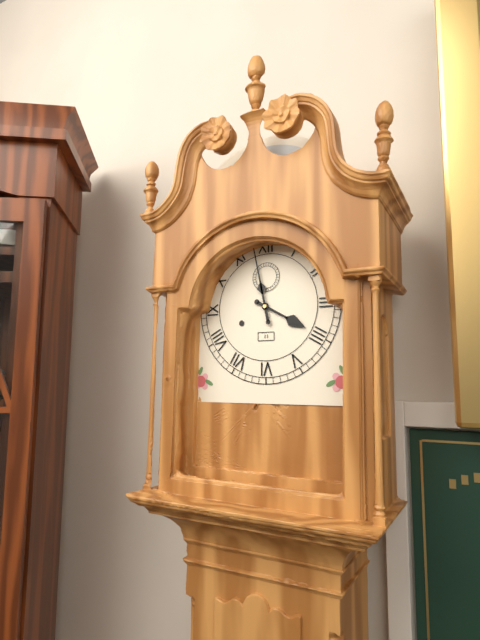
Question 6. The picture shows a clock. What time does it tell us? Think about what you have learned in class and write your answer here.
3:58
